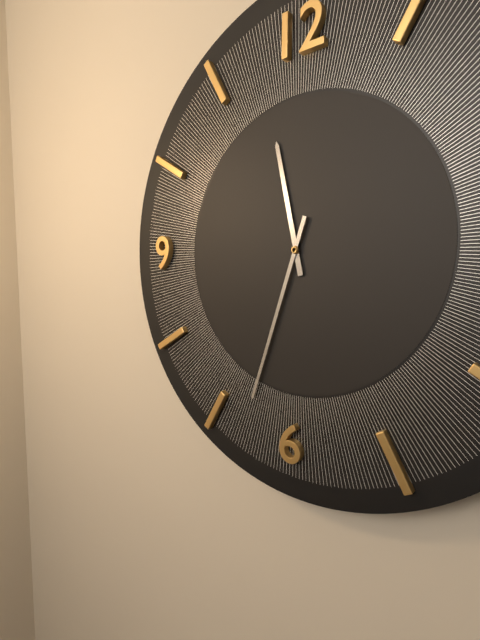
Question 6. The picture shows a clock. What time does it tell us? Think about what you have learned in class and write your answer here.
11:33
